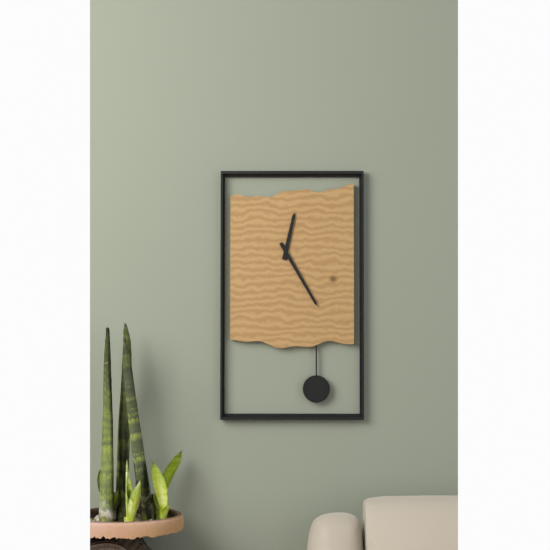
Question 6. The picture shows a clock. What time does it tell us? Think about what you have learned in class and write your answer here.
12:25
